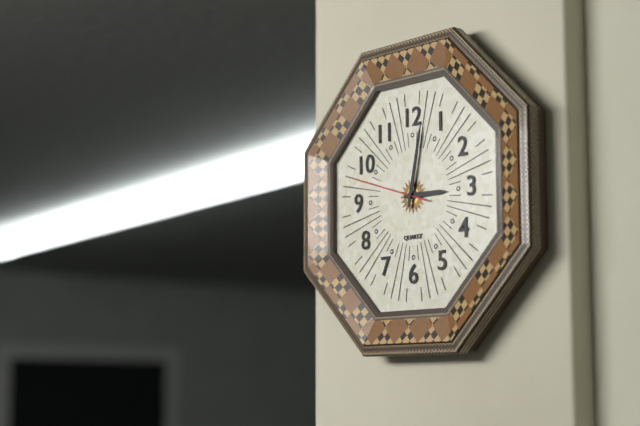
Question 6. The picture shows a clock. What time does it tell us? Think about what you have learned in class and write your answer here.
3:02:48
